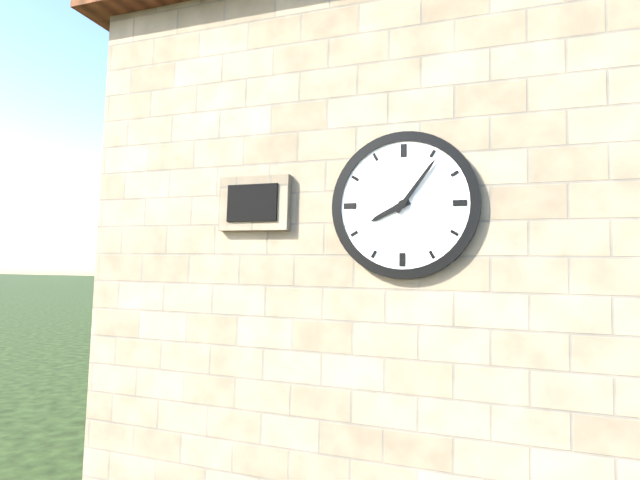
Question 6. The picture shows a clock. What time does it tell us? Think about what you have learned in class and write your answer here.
8:06
